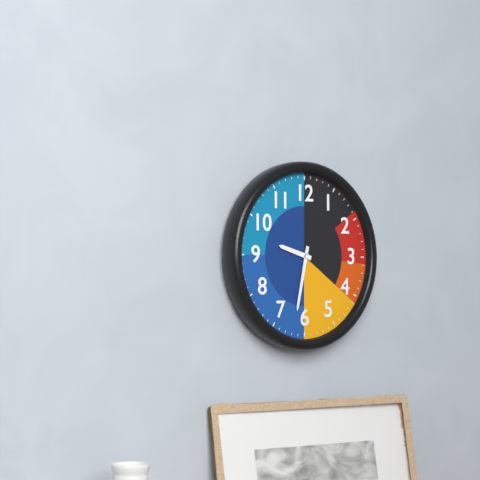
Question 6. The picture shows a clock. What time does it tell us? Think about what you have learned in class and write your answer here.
9:32
